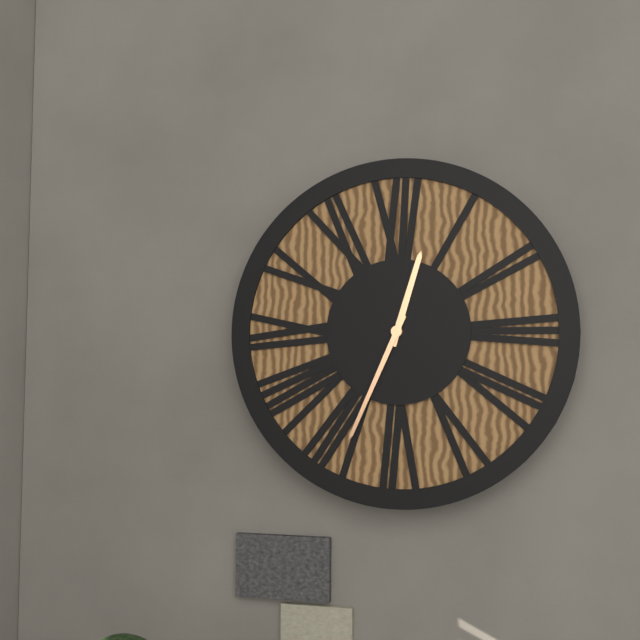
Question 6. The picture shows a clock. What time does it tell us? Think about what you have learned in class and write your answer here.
12:34
